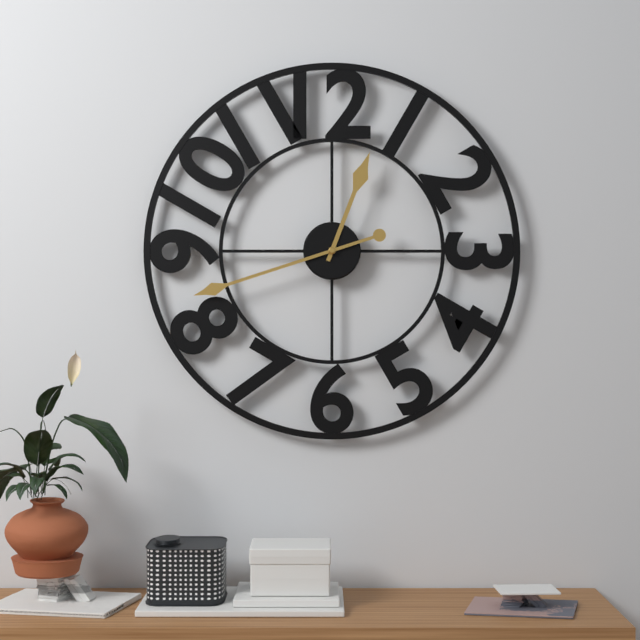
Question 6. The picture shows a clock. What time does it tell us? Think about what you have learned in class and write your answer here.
12:42
